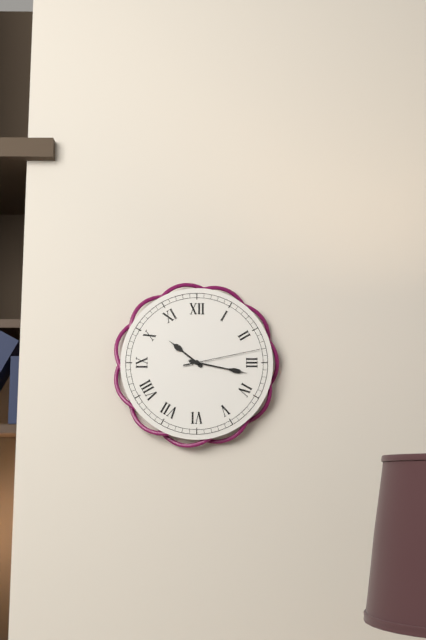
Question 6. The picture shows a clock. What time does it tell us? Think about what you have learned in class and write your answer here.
10:17:13
